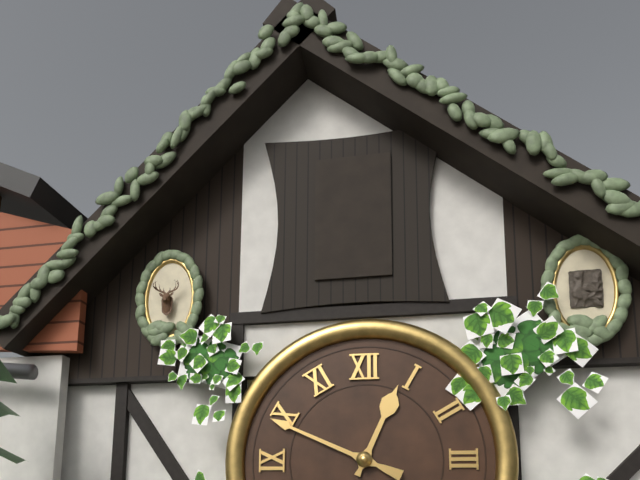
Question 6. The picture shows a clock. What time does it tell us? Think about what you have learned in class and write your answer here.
12:49
